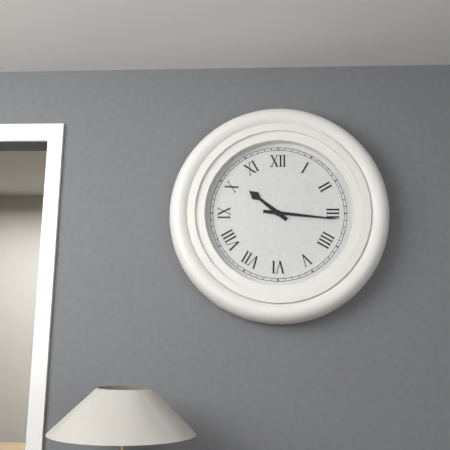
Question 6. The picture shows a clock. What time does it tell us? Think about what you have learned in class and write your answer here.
10:16
